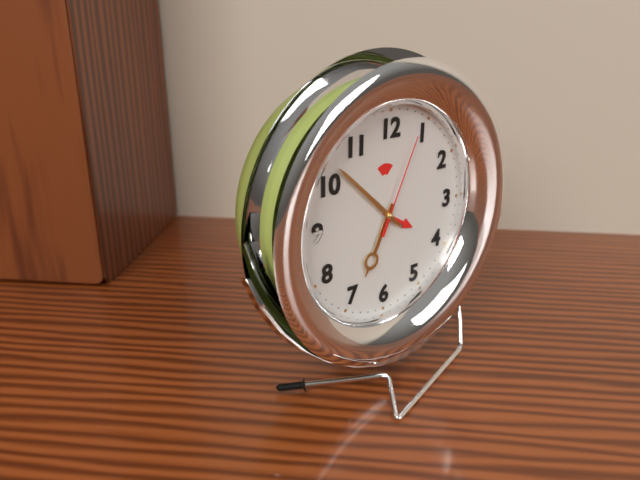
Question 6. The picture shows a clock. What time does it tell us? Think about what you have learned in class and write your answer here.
6:52:04
